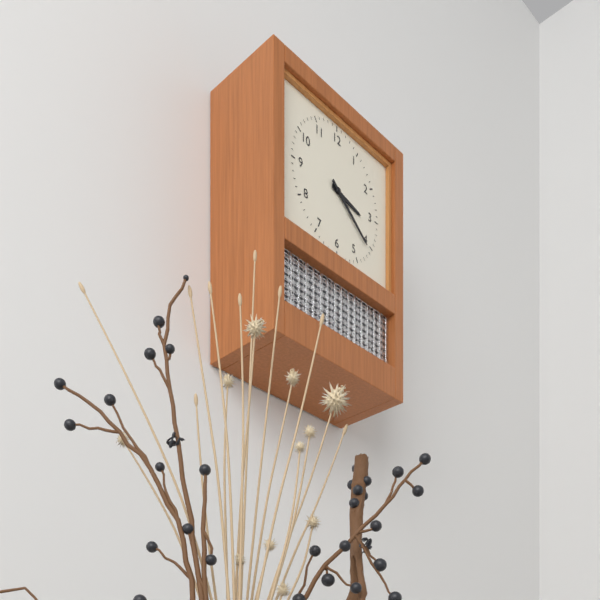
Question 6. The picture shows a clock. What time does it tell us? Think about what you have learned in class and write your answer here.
3:21
